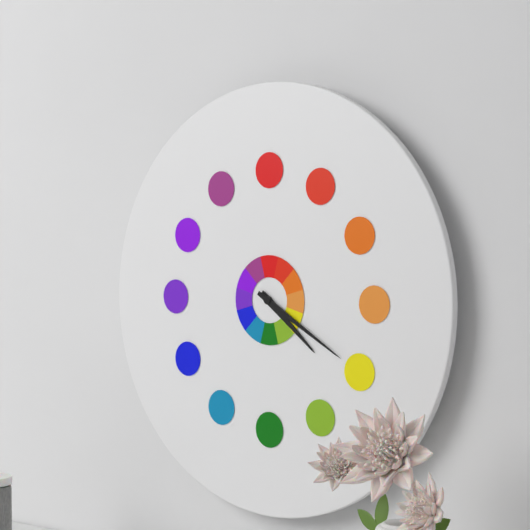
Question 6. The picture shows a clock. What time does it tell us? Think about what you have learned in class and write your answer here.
4:20
